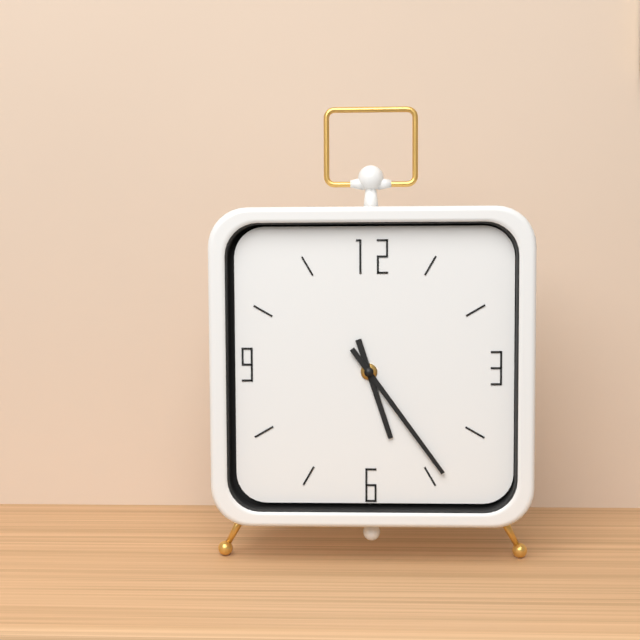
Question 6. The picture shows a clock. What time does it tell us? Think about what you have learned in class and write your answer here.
5:24
